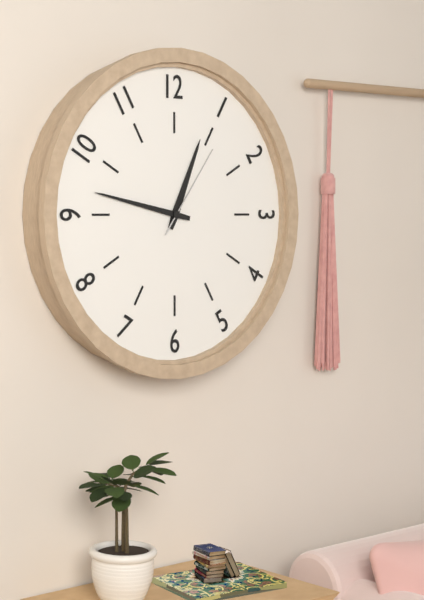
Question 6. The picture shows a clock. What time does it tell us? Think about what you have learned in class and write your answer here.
12:47:06
